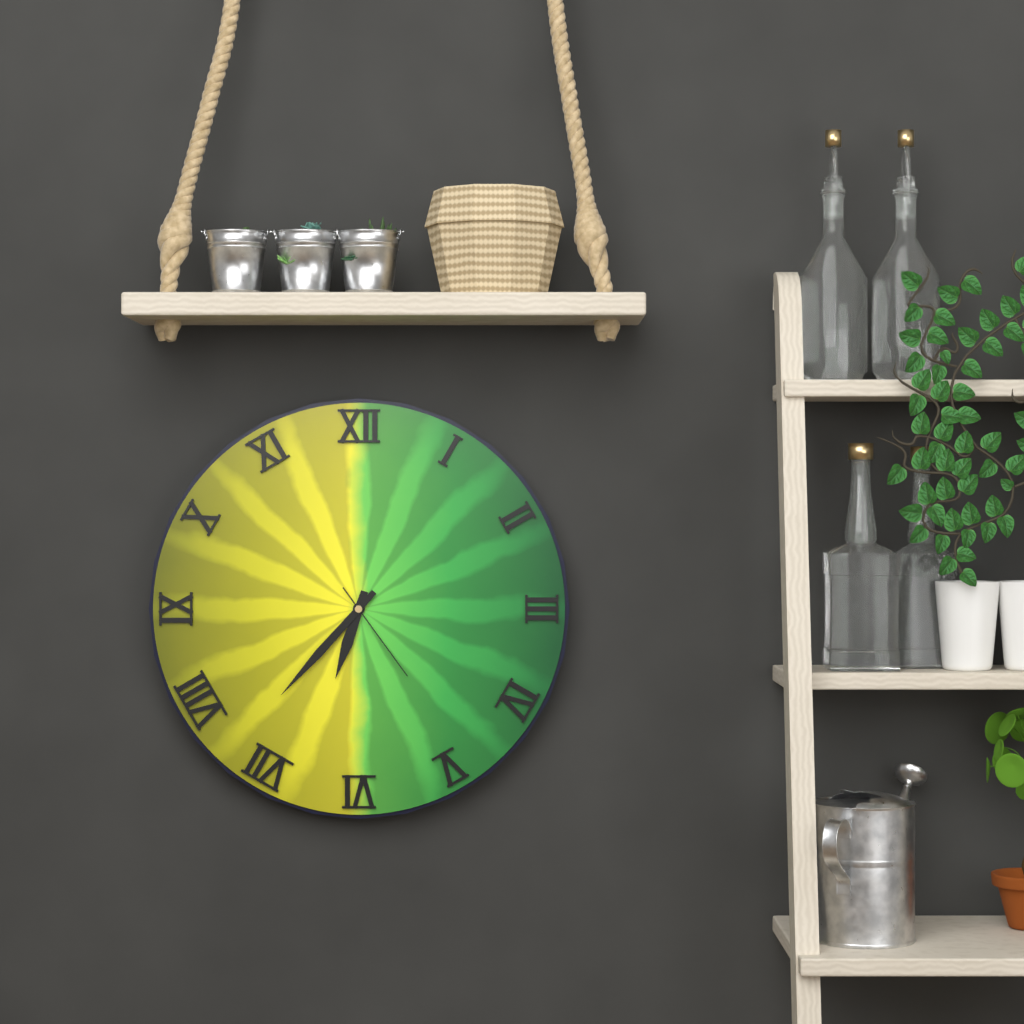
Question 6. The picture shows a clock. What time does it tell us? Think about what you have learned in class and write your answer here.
6:37:24
